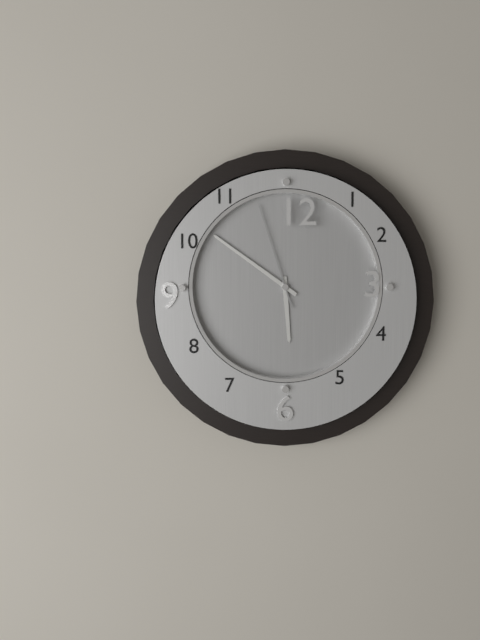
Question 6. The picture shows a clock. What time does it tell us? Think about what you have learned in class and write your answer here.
5:51:57
